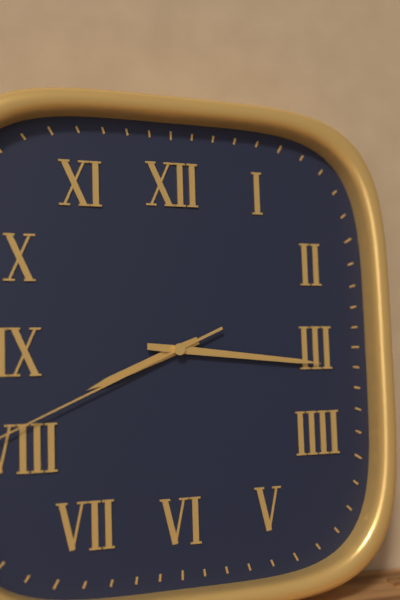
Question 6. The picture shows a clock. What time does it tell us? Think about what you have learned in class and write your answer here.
8:16
